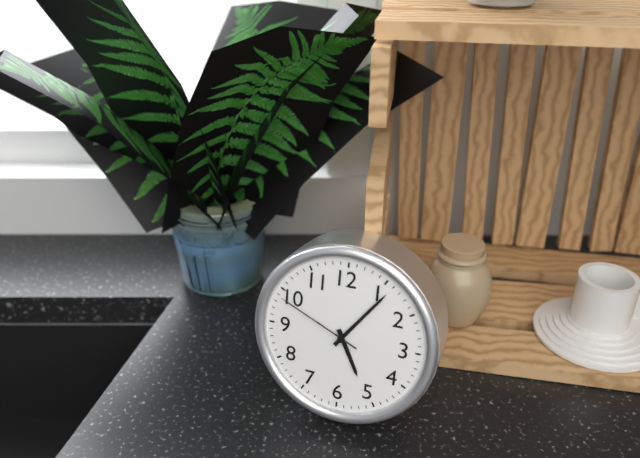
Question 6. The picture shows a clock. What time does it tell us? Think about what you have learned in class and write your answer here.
5:06:49
